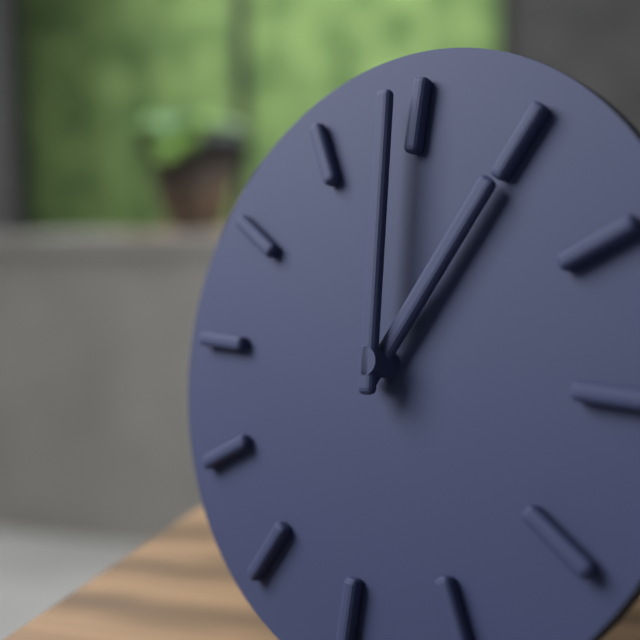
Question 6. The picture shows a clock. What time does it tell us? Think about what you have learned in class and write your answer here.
12:59
